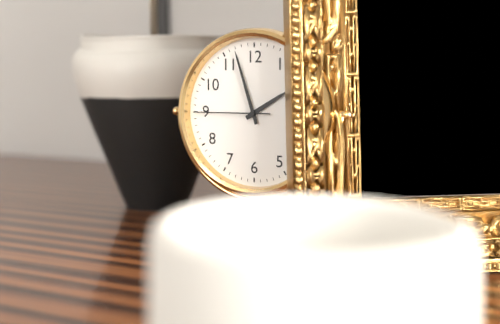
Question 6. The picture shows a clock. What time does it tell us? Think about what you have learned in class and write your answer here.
1:57:45
